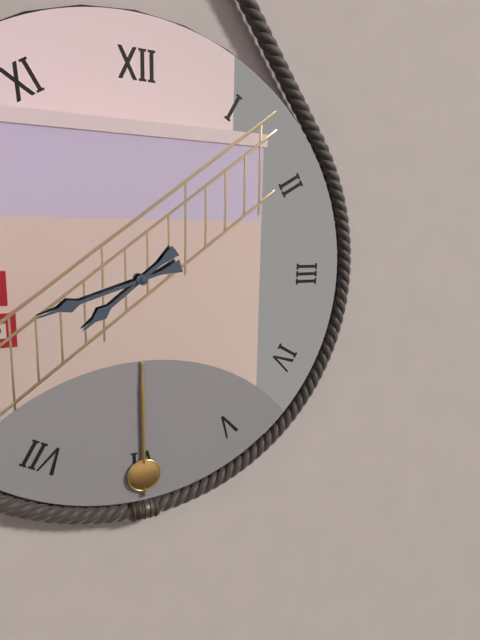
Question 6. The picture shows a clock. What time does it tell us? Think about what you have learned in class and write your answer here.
7:42
